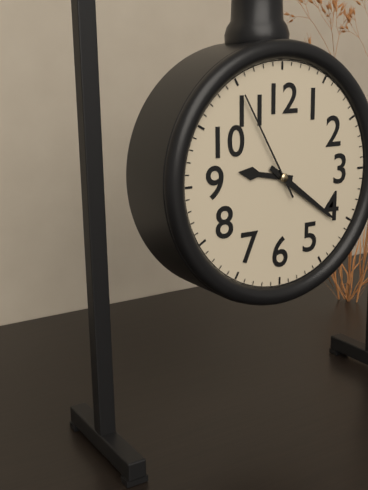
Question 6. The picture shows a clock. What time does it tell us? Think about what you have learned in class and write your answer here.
9:21:55
